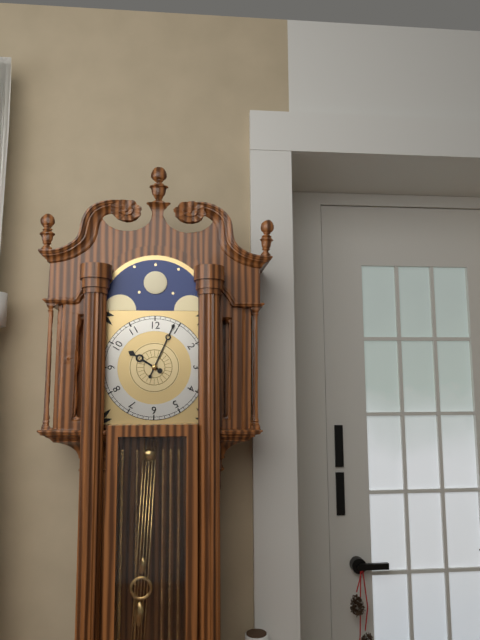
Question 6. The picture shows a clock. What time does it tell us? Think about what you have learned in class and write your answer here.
10:04
